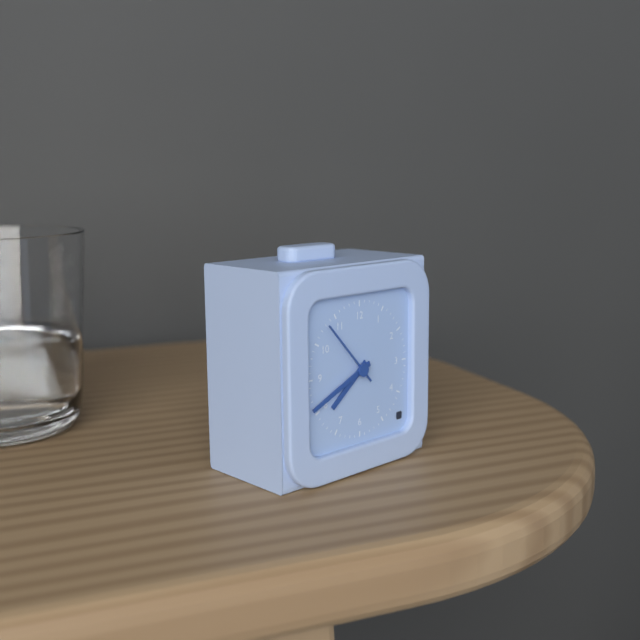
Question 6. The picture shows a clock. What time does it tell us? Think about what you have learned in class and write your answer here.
7:41:53
